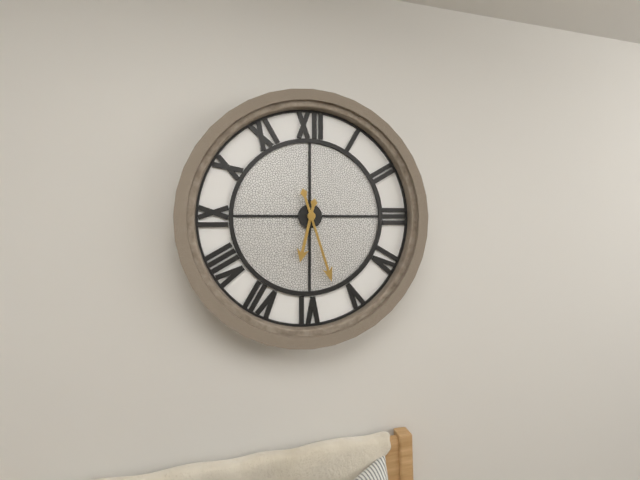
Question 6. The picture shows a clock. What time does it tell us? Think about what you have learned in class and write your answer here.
6:27
